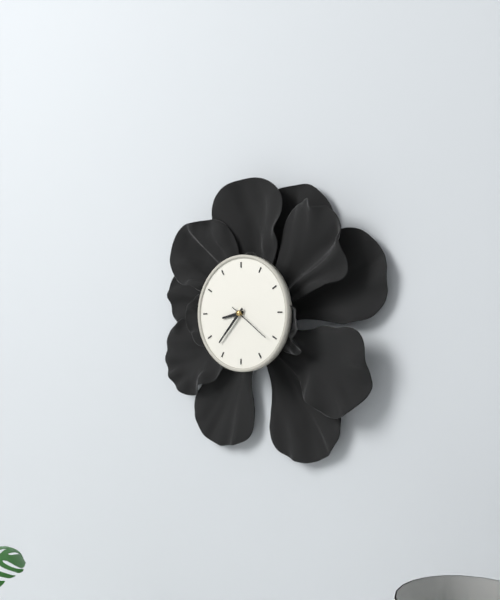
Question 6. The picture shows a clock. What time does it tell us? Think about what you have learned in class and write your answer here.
8:37
